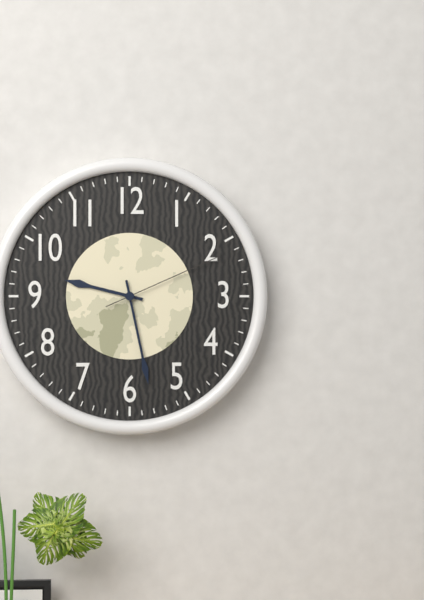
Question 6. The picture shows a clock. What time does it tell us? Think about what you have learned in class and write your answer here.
9:28:11
